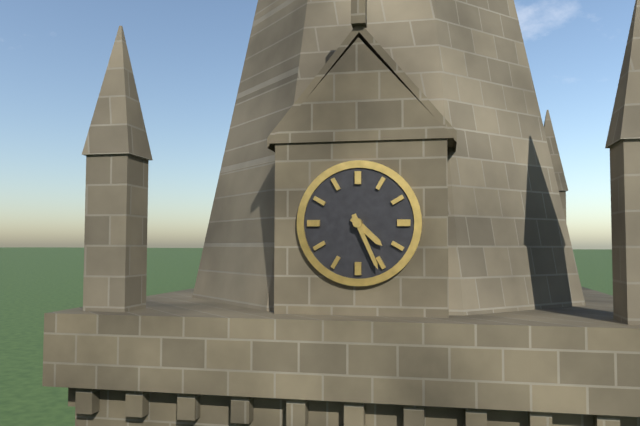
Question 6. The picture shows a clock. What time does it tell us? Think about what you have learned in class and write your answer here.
4:26
